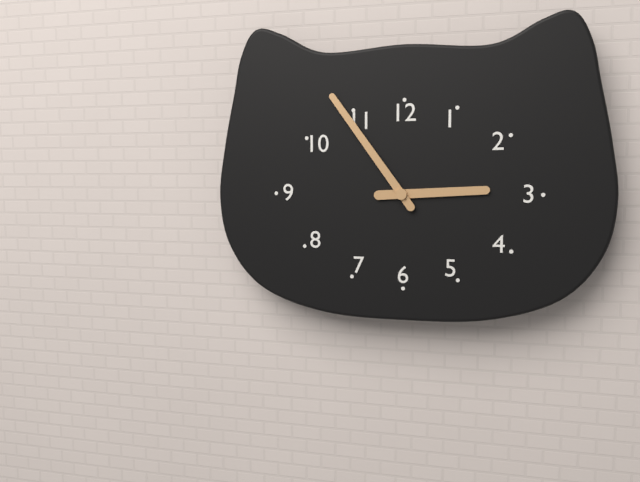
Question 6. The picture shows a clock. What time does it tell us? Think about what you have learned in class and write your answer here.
2:54
